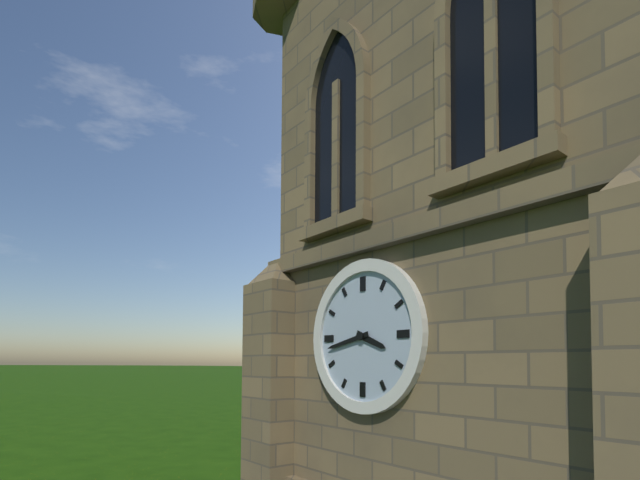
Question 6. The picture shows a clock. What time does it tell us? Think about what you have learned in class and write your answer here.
3:43
